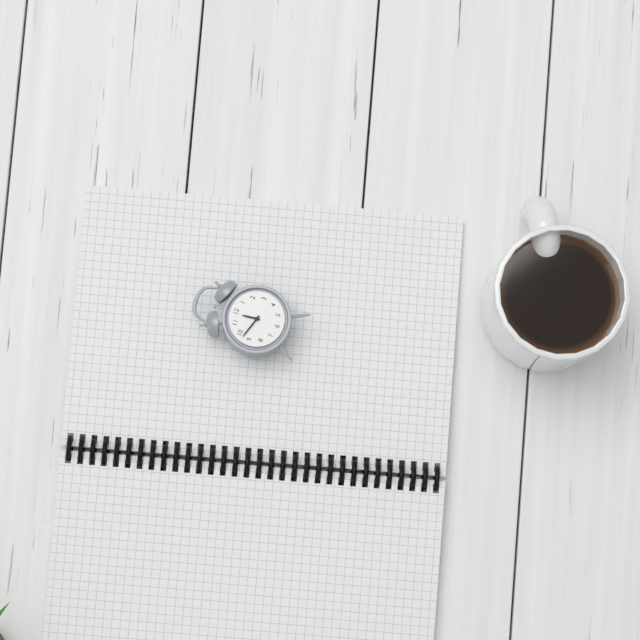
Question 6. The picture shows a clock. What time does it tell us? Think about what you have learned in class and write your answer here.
11:48
